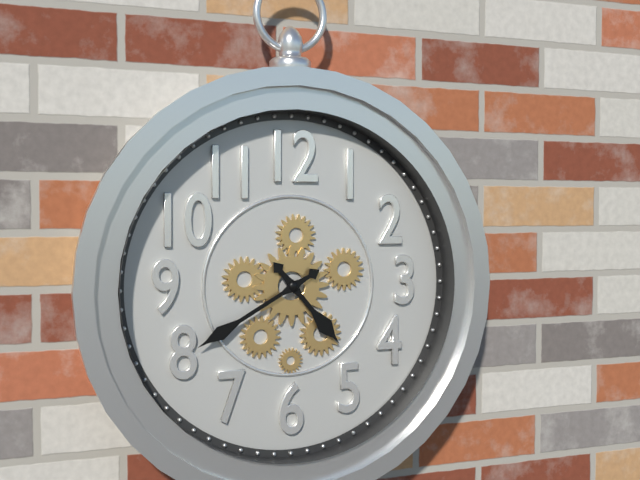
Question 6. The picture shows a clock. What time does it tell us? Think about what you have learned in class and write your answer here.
4:40
